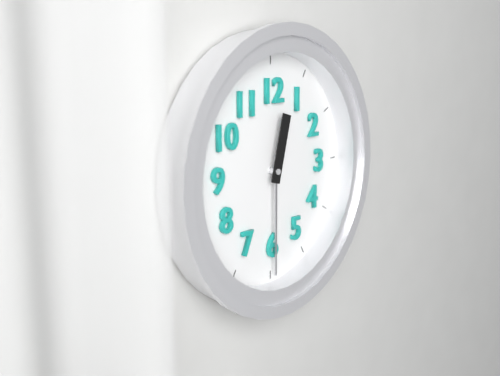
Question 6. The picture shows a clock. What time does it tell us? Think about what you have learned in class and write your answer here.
12:30
